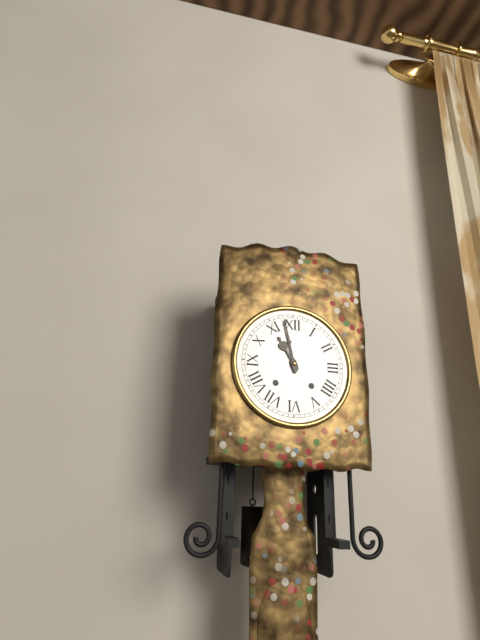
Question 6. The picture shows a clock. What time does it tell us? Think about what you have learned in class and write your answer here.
10:58
